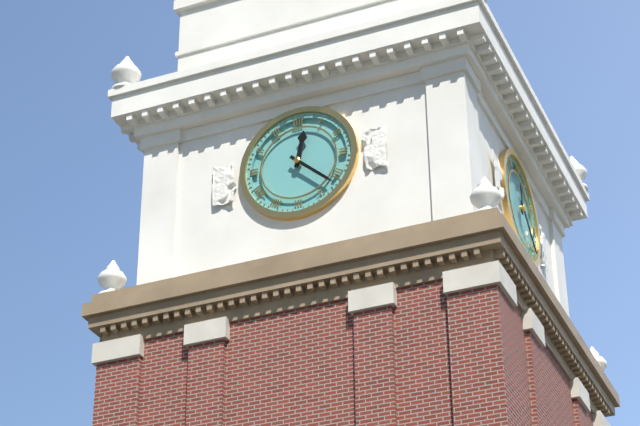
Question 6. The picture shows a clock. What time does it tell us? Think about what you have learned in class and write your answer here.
12:22
